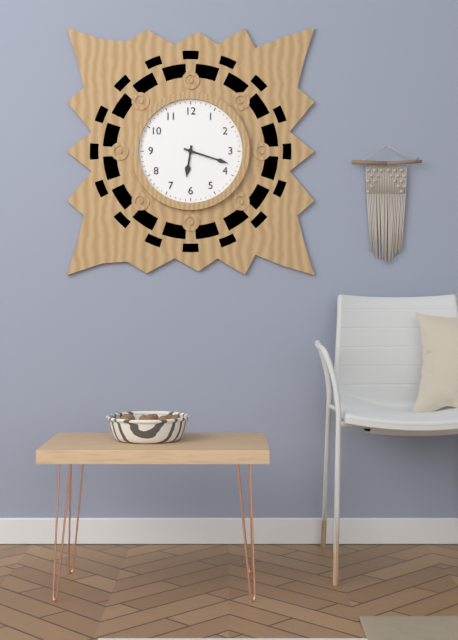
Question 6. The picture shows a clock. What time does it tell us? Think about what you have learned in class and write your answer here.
6:18
